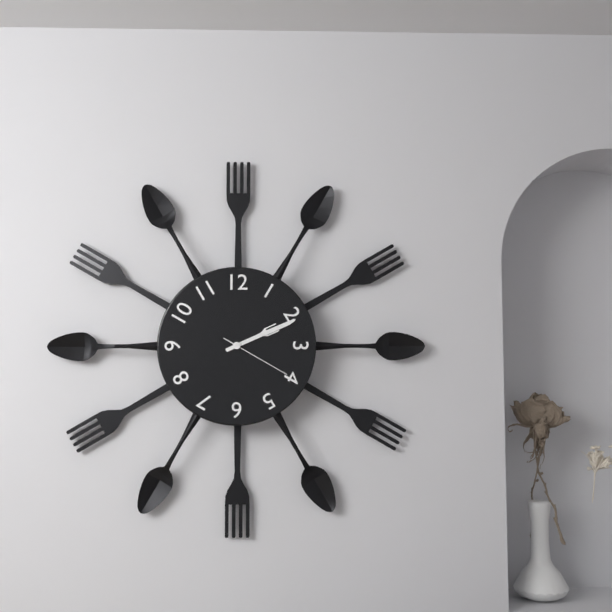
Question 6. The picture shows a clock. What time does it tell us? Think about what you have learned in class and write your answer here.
2:11:20
